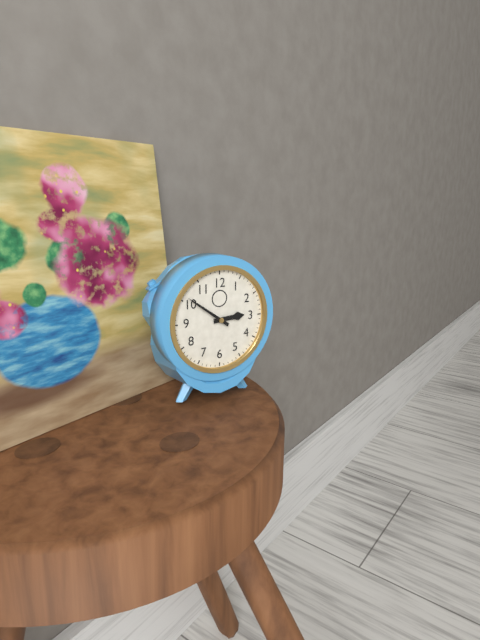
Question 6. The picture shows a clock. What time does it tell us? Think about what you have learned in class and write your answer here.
2:51
